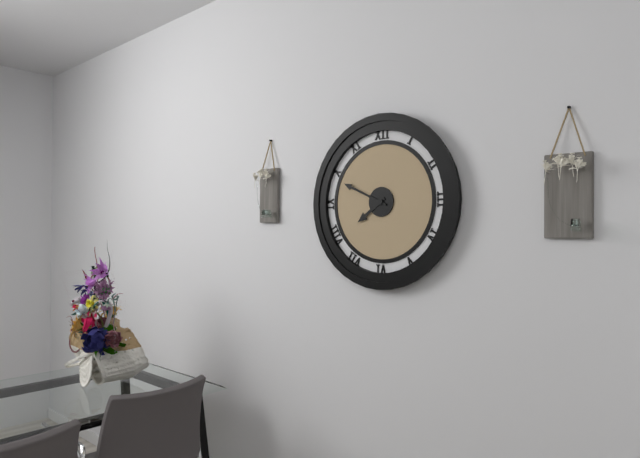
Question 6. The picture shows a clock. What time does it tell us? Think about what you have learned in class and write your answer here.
7:49
